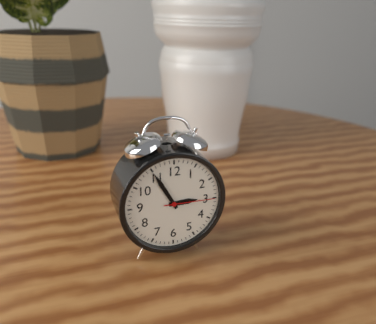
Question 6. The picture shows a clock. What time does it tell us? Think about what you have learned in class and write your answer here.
2:55:15
